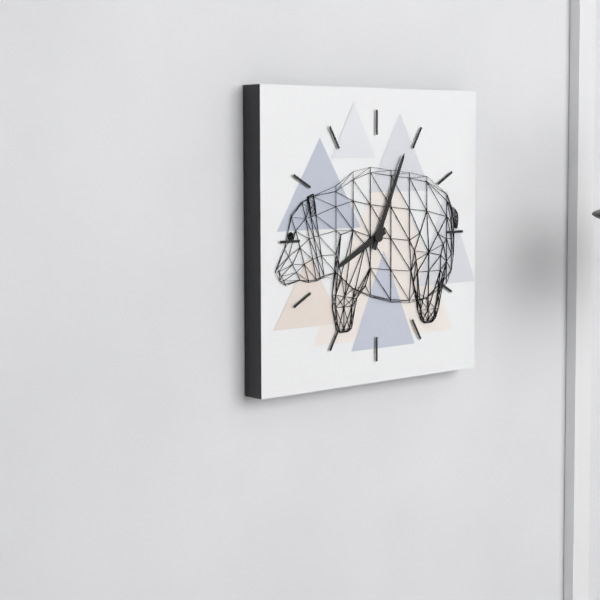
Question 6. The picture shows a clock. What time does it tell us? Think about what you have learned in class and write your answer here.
8:04
